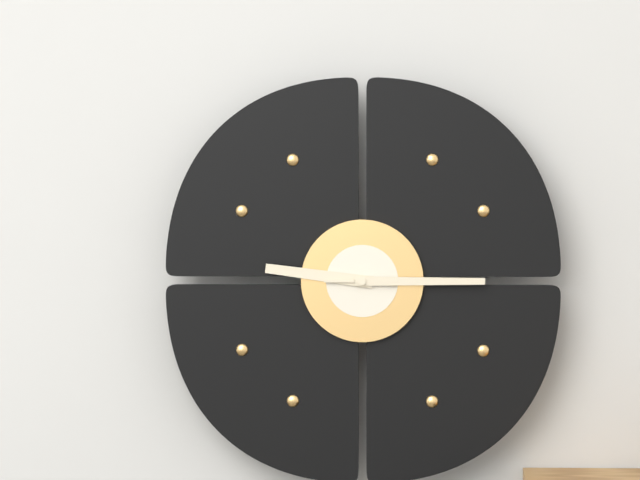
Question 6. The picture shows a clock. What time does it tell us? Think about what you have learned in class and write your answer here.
9:15
